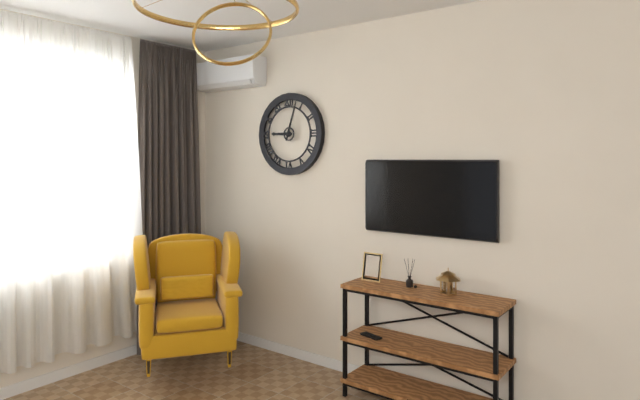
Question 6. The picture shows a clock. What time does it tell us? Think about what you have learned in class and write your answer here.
9:03
